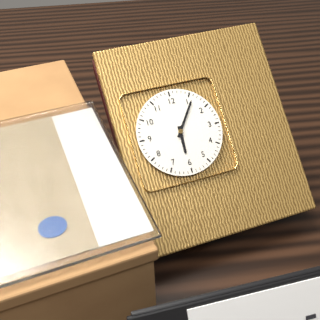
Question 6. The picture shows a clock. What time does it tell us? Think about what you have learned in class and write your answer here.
6:06
